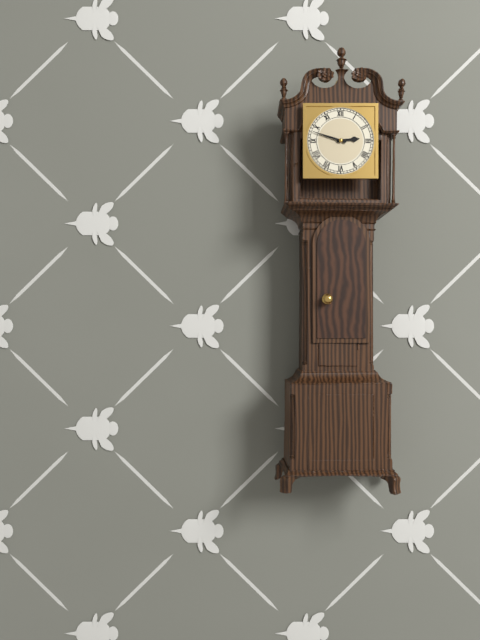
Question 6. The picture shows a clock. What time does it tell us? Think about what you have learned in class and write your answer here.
2:48
